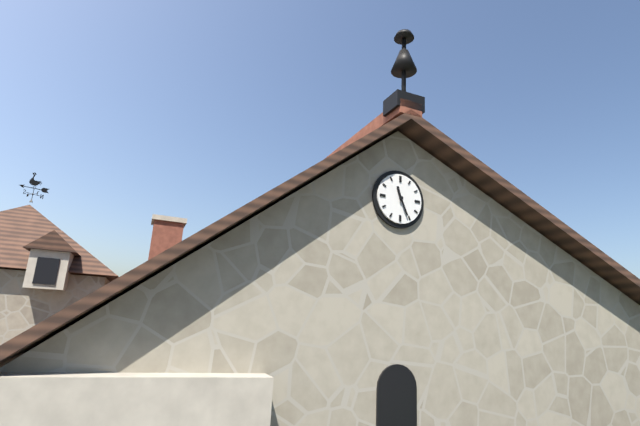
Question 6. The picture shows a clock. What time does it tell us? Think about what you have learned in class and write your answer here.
11:26
